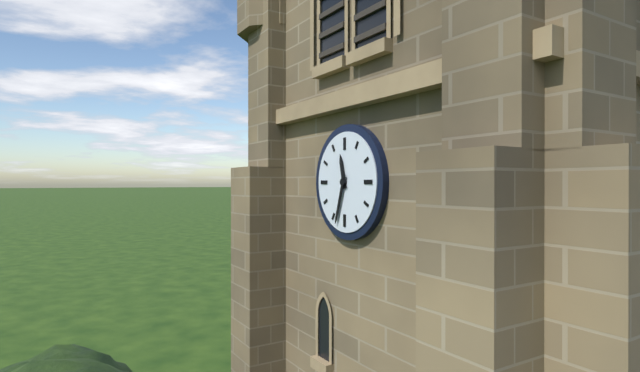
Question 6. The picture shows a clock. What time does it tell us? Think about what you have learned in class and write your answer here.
11:33
